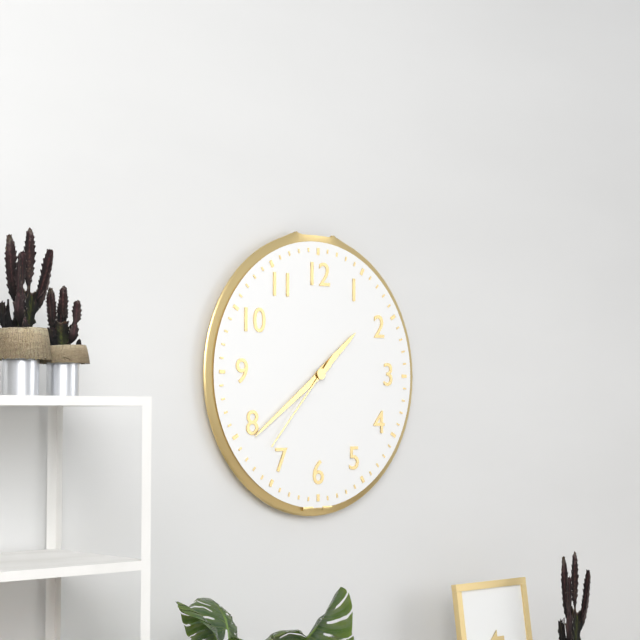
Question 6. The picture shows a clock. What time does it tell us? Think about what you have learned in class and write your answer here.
1:39:37
